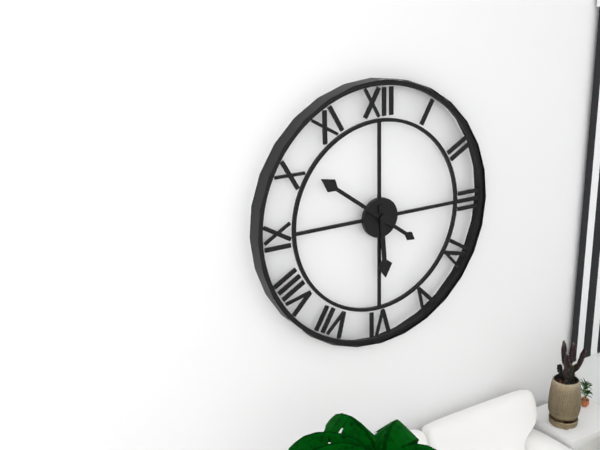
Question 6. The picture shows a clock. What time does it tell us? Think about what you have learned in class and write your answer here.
5:51
